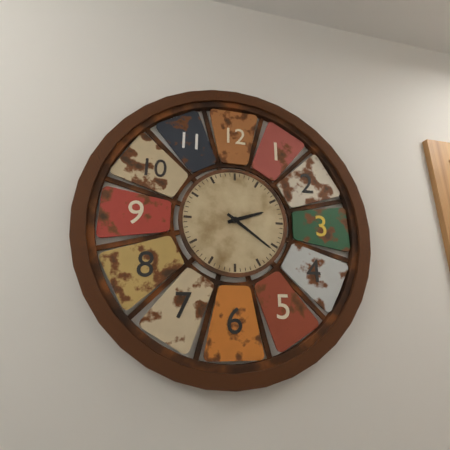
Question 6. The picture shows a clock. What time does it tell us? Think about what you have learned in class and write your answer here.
2:21
